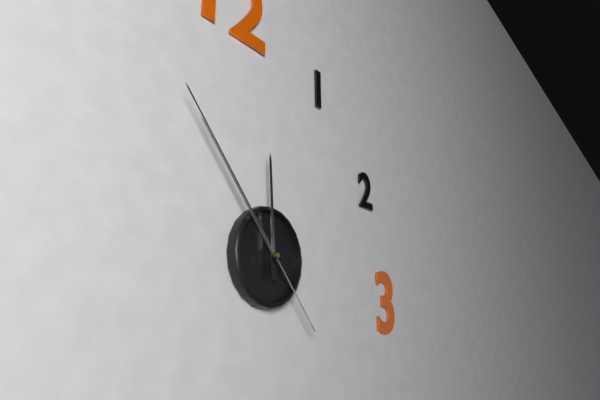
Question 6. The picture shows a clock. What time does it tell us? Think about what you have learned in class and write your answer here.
11:53:53
